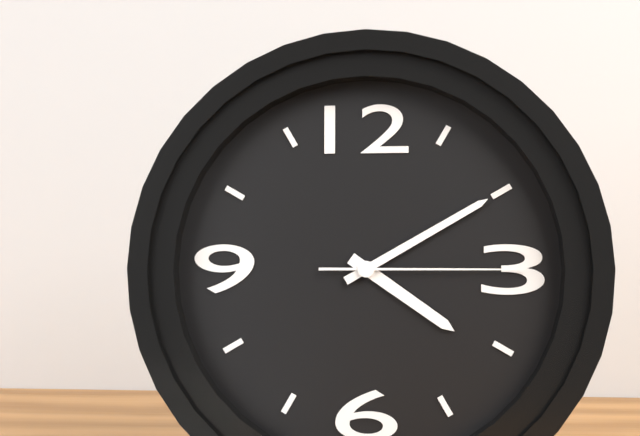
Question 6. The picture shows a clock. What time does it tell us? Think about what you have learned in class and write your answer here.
4:10:15
